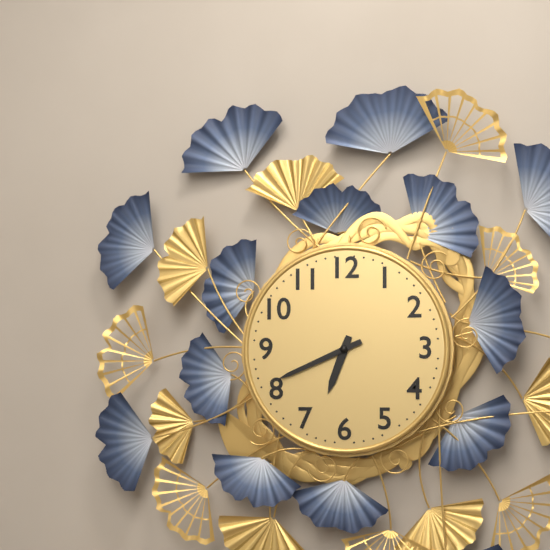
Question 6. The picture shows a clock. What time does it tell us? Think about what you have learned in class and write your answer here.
6:41
